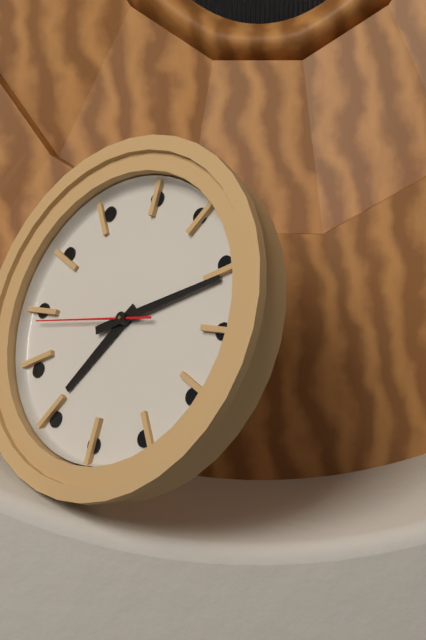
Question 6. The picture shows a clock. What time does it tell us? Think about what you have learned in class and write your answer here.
7:11:44
